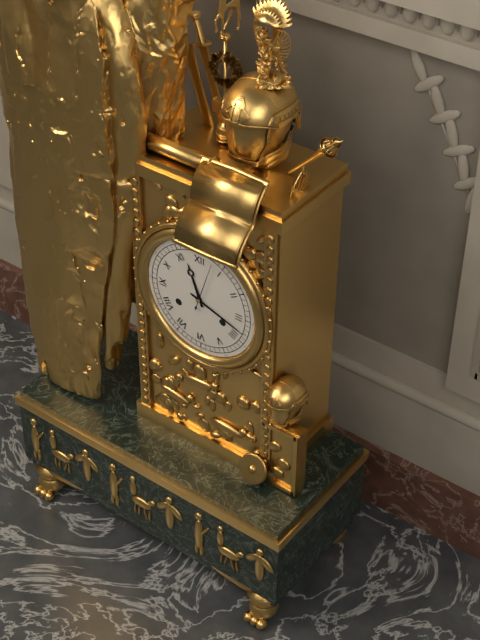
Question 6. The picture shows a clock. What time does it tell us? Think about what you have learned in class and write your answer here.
11:18
